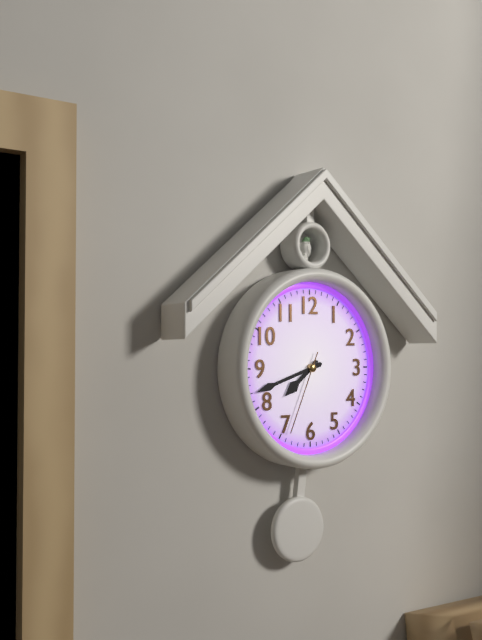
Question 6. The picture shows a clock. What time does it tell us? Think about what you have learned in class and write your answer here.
7:42:34
